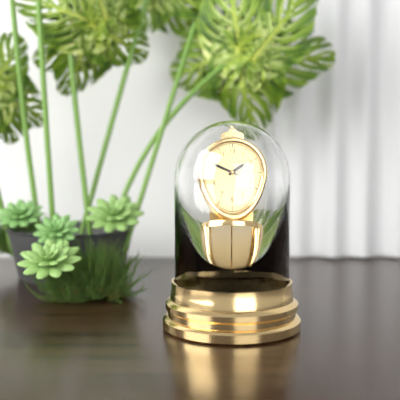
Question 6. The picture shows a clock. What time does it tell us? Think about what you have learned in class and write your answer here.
1:49
